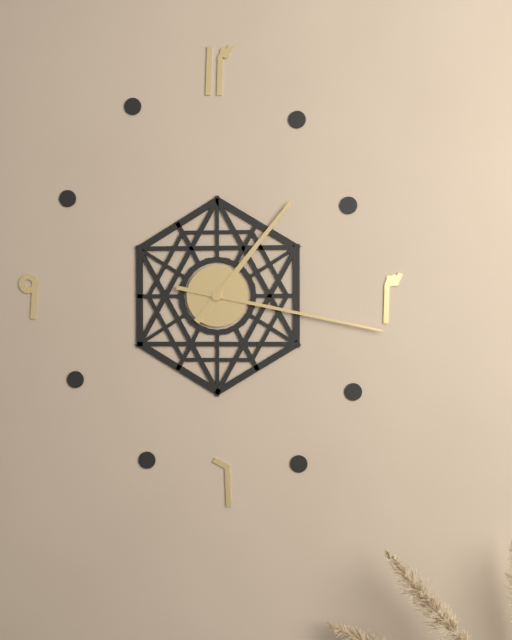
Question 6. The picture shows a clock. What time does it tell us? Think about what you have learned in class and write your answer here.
1:17
